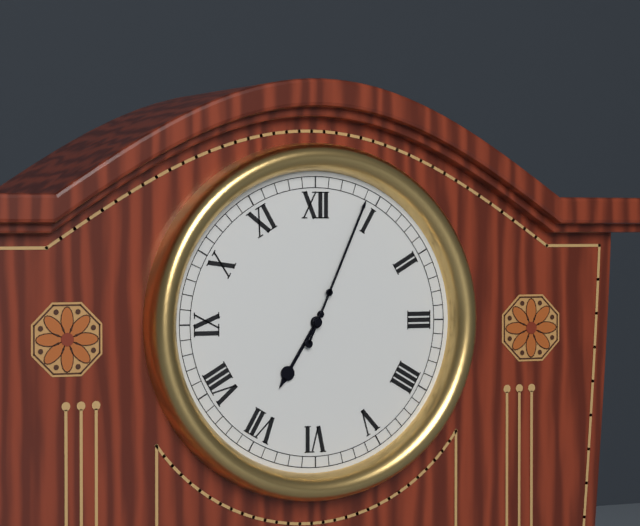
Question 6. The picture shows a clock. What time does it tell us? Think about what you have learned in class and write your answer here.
7:04
